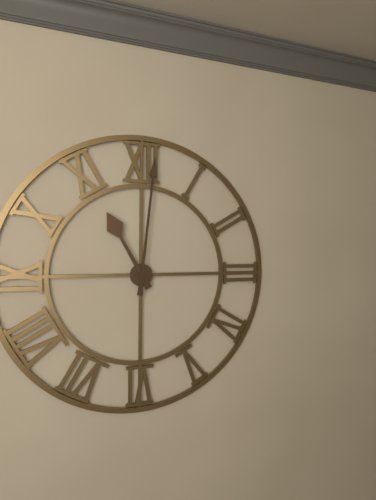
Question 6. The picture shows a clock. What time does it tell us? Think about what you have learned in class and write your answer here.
11:01
